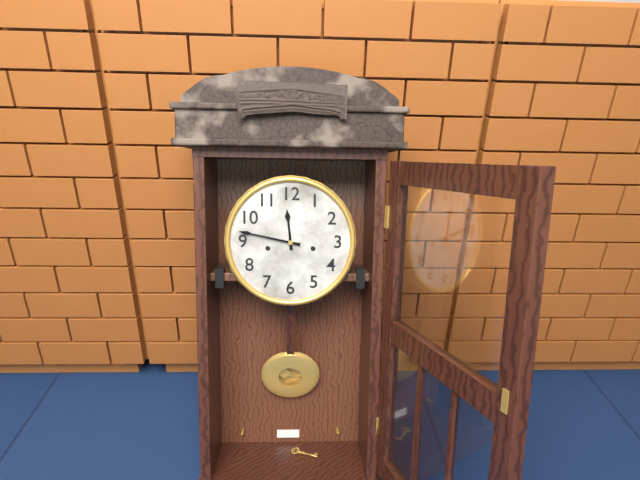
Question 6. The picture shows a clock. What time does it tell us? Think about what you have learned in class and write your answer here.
11:47
